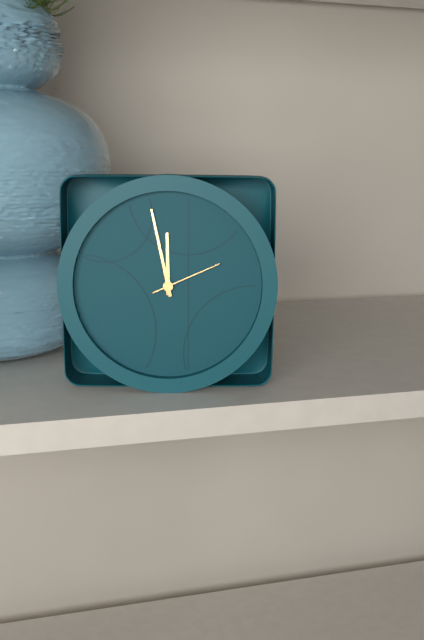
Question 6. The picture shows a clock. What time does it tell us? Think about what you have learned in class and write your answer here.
11:58:11
